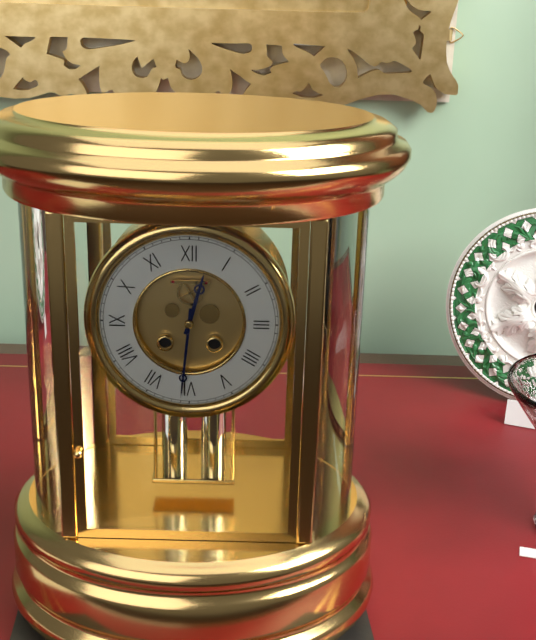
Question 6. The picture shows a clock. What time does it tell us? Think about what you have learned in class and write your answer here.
12:31
